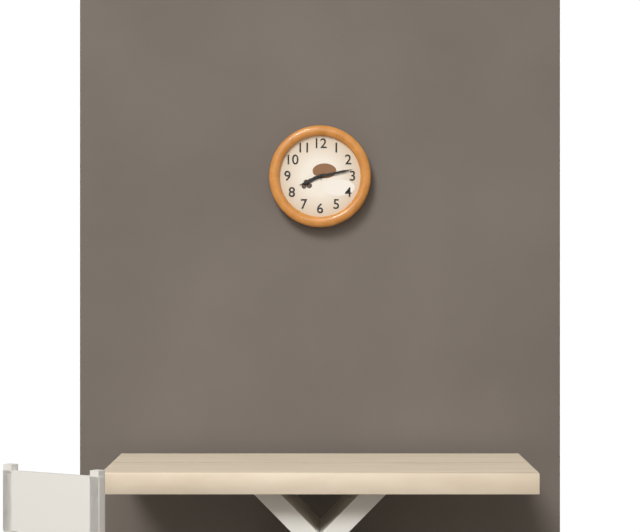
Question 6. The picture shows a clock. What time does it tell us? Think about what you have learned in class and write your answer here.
8:13
